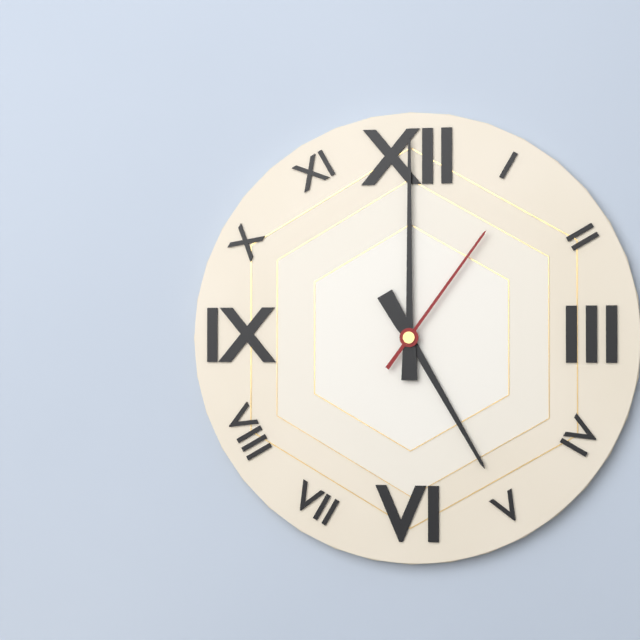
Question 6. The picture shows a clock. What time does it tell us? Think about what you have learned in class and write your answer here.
5:00:06
